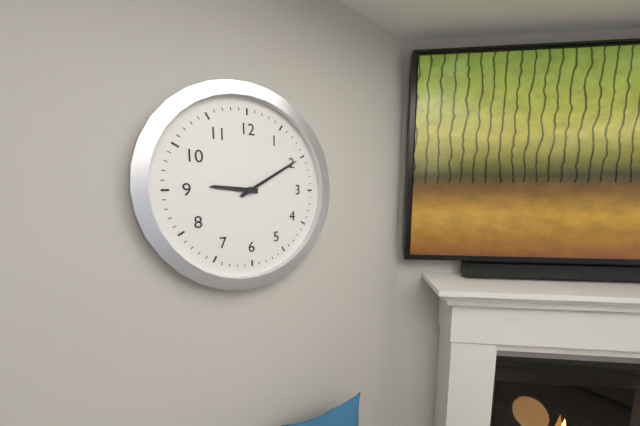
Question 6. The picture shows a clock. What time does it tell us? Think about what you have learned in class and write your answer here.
9:10
